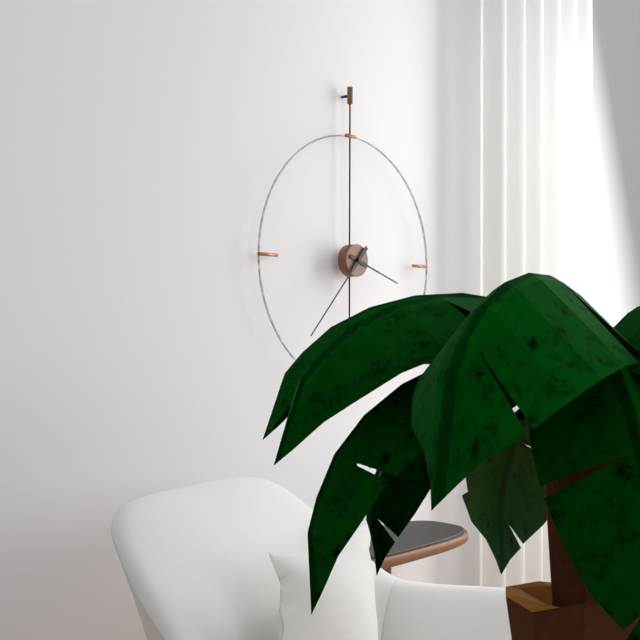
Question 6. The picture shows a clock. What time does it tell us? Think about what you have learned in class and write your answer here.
3:37
